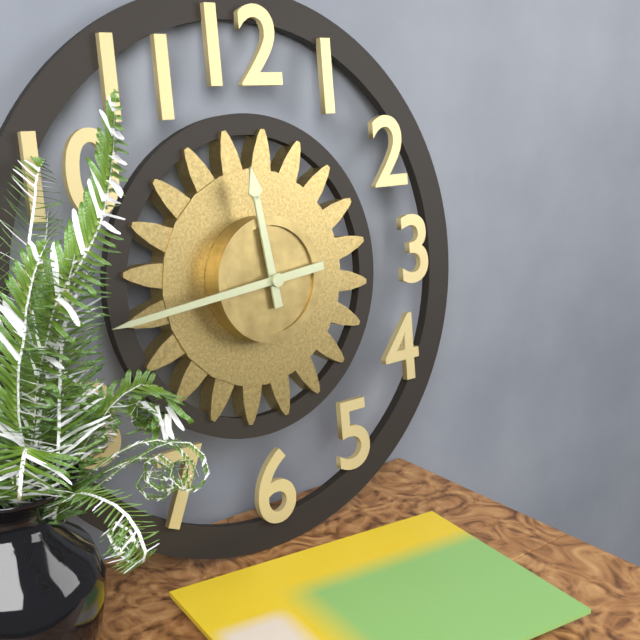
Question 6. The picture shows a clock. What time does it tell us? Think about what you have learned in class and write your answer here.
11:44
